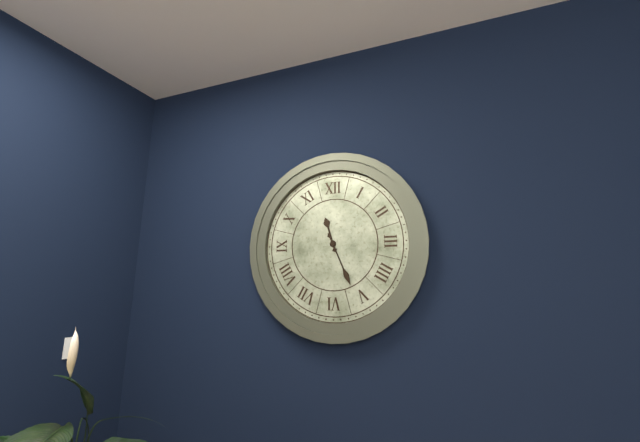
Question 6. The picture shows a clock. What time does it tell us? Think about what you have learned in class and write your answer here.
11:26
